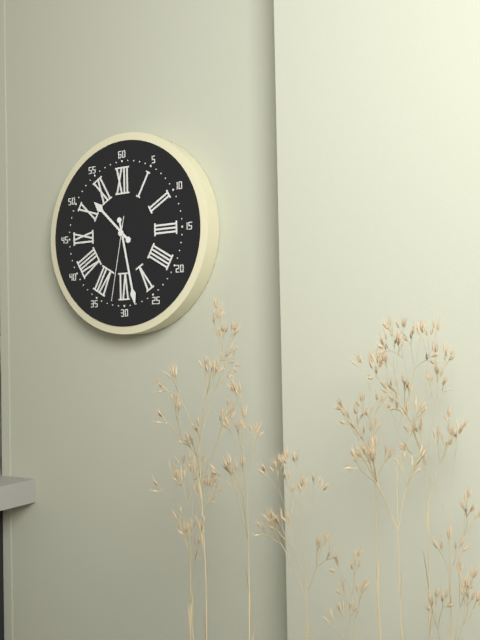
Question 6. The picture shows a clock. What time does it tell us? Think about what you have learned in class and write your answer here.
10:28:32
